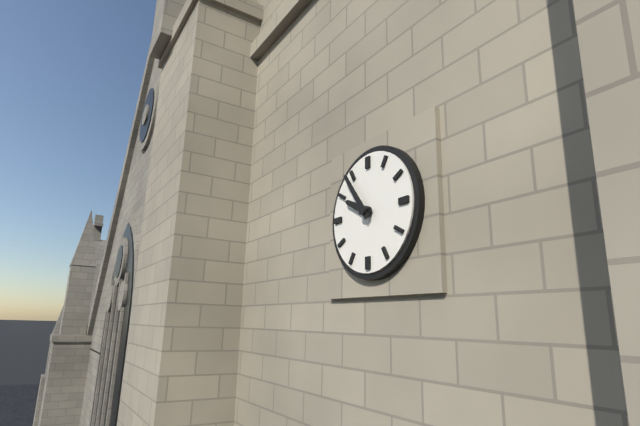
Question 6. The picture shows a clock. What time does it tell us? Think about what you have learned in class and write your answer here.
9:54
